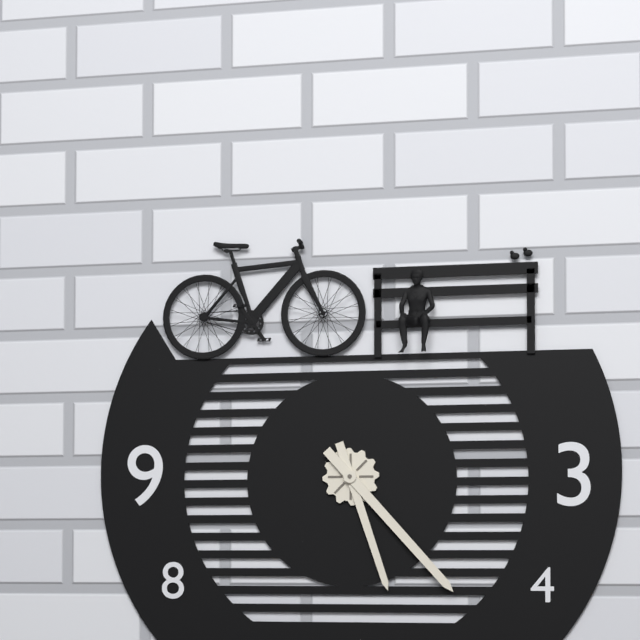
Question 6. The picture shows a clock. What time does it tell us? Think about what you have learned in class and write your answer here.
5:23
